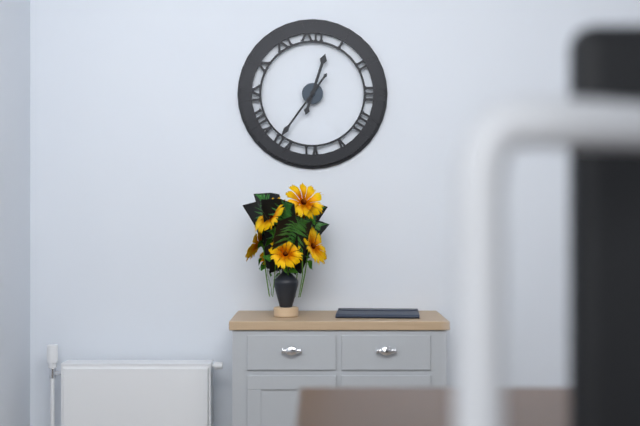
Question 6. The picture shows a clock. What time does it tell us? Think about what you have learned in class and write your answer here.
12:36
